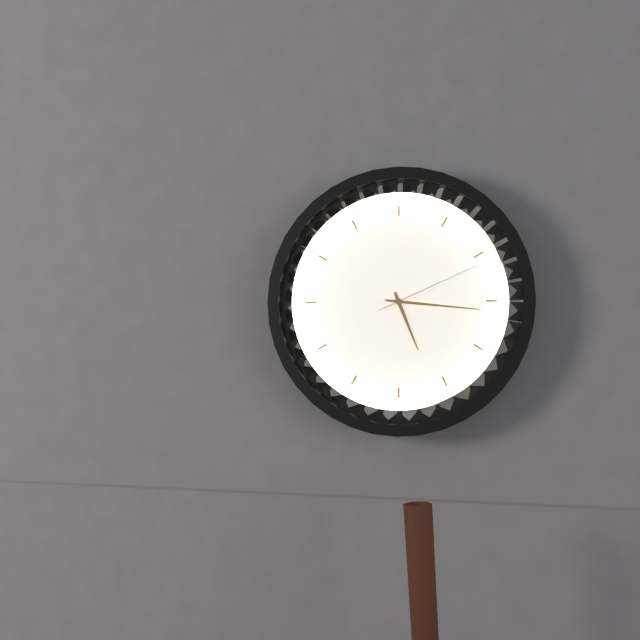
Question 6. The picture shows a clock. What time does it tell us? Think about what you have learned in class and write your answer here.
5:16:11
